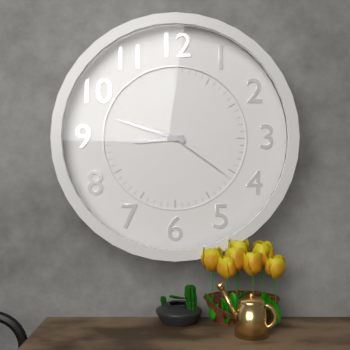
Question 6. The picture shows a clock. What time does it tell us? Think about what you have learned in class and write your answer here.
8:48:21
